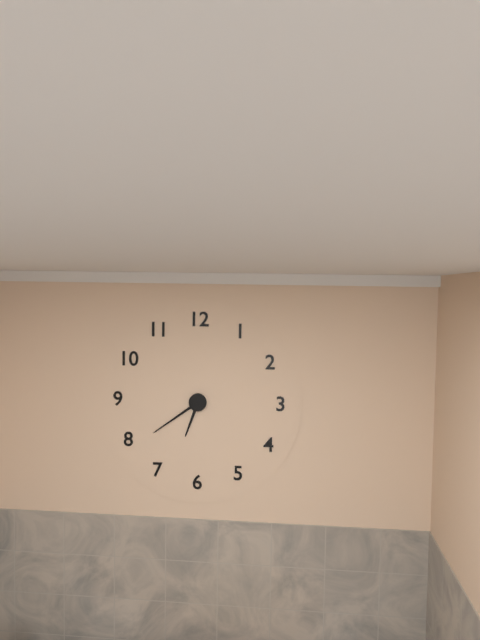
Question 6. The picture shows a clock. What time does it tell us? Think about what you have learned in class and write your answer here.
6:39
